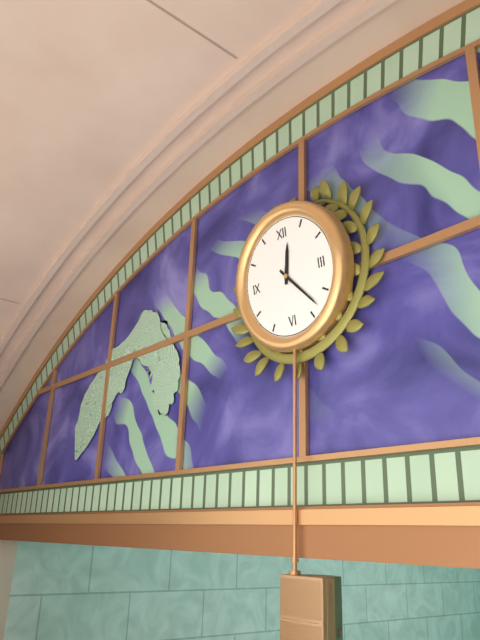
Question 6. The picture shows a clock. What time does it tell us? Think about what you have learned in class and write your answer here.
12:23
